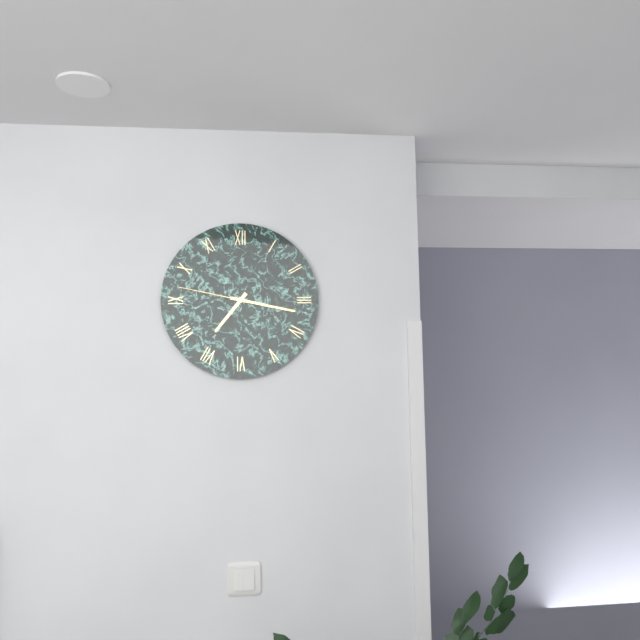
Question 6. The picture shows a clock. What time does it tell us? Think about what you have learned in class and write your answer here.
7:17:47
